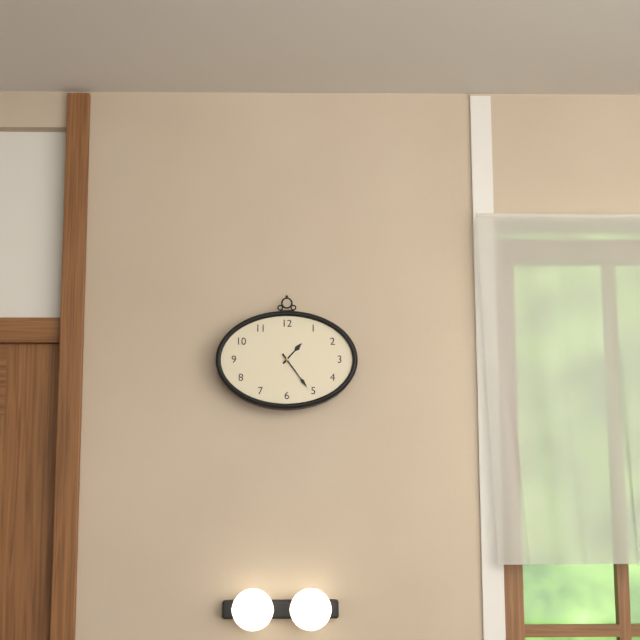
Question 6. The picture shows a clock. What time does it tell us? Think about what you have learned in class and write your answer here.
1:24
